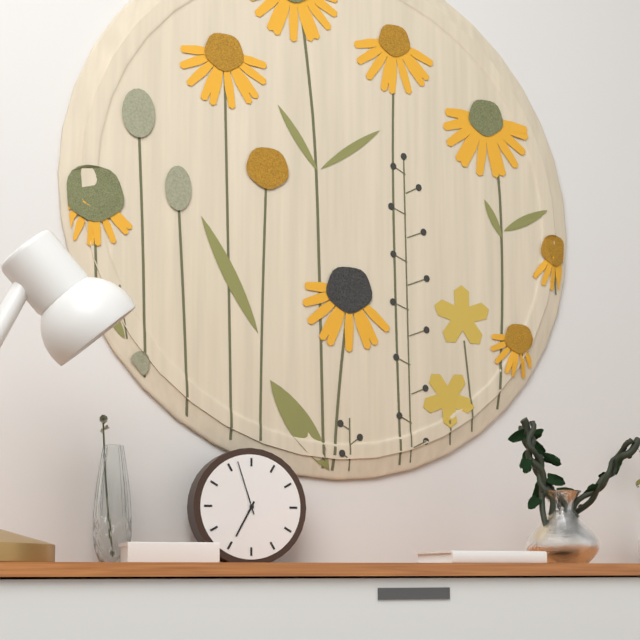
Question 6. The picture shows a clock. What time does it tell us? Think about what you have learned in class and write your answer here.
6:57
